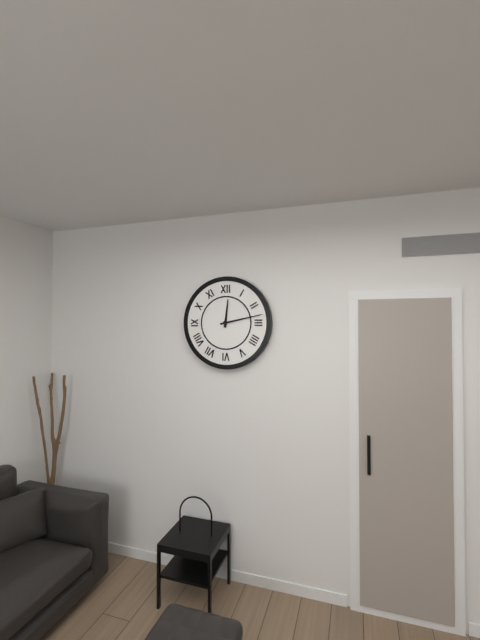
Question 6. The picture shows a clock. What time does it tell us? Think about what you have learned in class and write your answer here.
12:13
